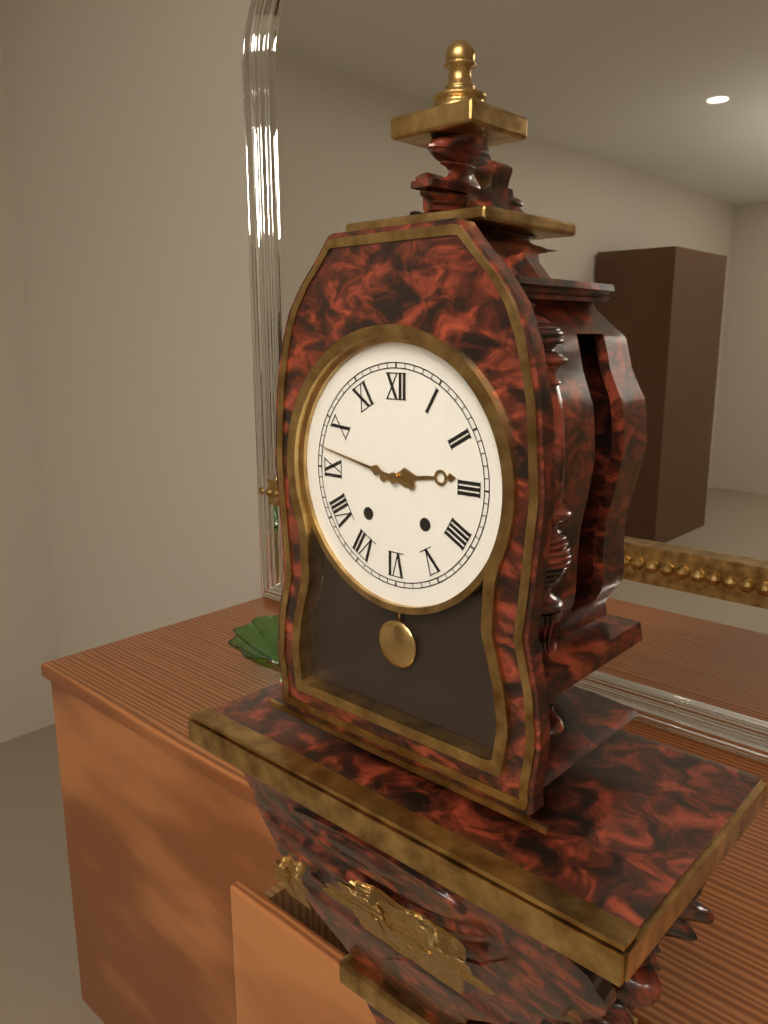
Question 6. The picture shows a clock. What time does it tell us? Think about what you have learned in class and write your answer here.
2:47
